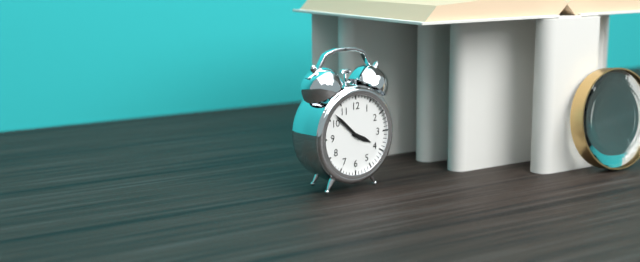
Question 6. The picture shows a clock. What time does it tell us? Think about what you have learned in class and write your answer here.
3:52
